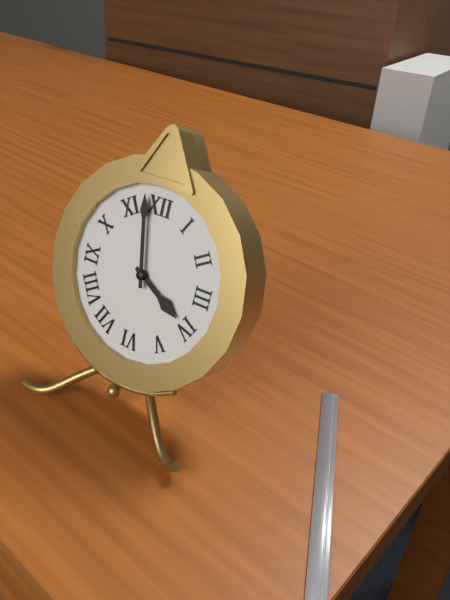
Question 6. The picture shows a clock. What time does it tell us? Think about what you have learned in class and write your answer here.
3:58
